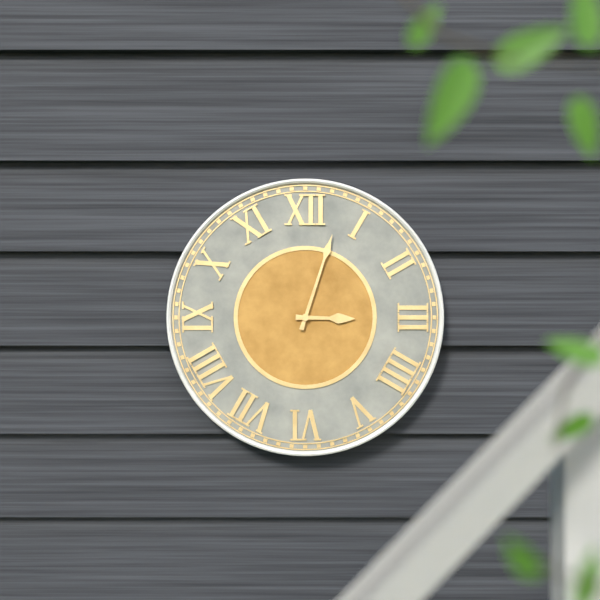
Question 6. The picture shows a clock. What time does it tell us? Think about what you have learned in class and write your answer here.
3:03
